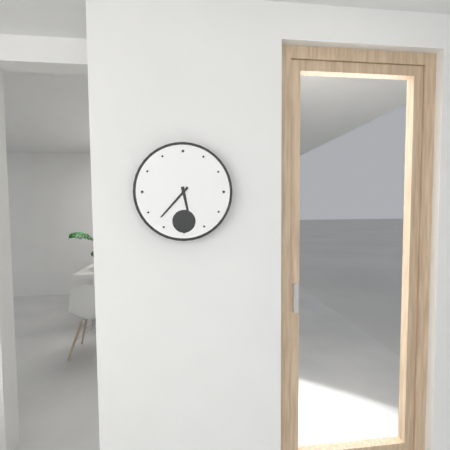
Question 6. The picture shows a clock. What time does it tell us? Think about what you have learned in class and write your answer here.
5:37
